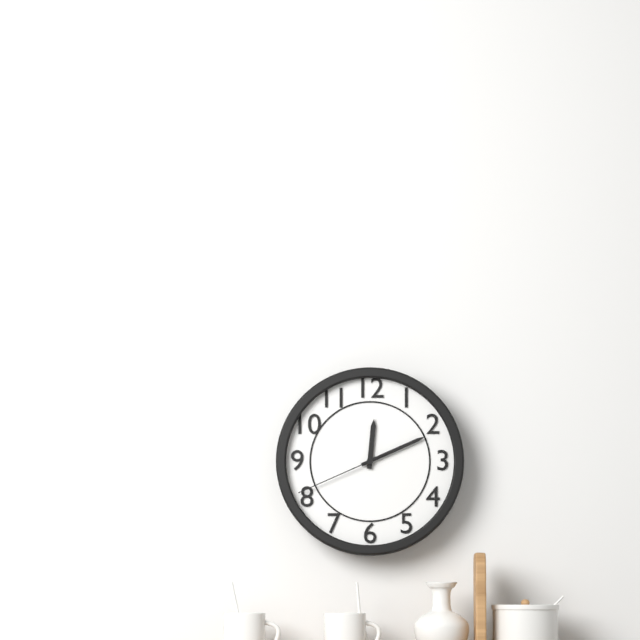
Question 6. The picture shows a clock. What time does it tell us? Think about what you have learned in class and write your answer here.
12:11:41
